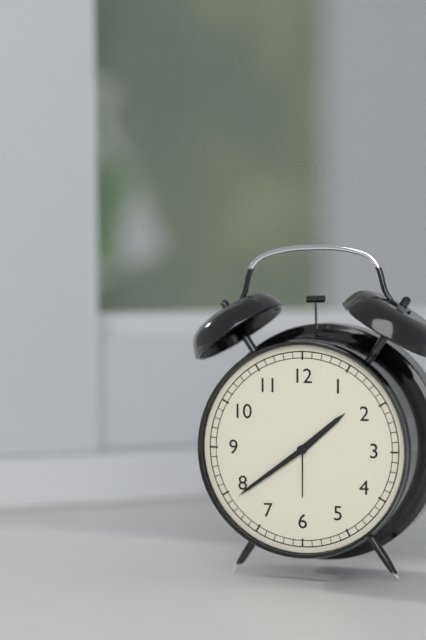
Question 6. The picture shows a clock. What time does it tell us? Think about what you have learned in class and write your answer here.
1:39
